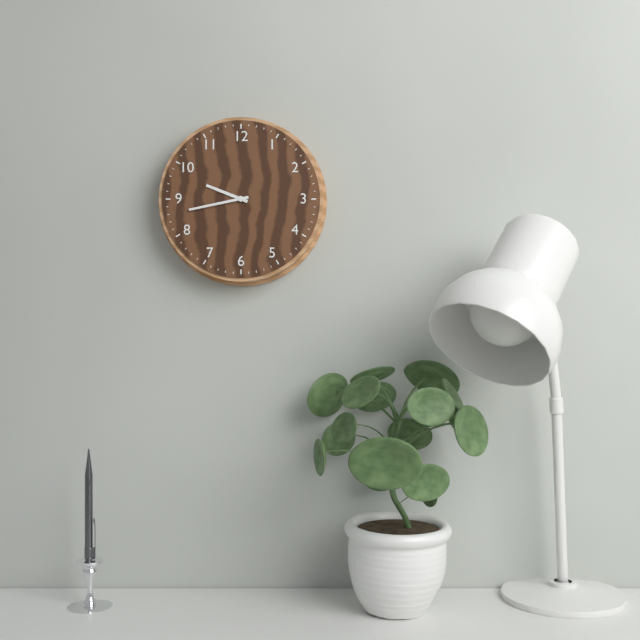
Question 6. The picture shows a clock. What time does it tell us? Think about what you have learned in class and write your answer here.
9:43
